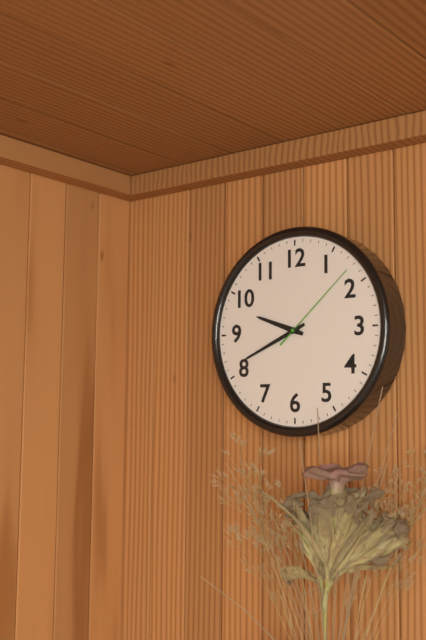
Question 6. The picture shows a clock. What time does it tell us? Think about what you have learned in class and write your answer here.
9:41:08
